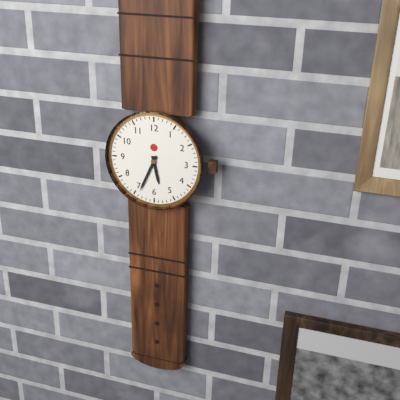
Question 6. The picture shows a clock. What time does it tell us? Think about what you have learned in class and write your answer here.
5:34
